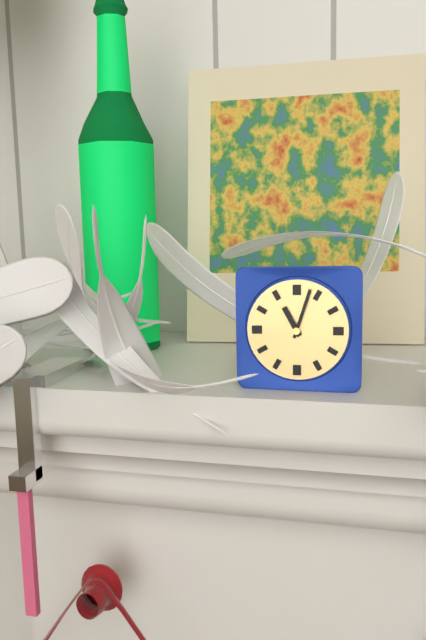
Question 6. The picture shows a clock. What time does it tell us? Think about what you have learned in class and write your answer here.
11:03
